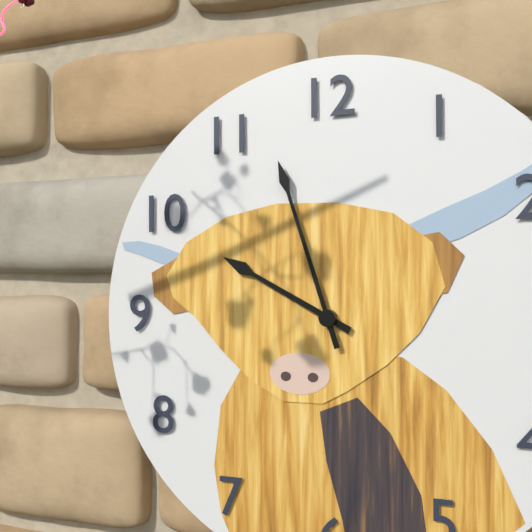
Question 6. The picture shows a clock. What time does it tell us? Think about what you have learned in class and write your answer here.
9:57
